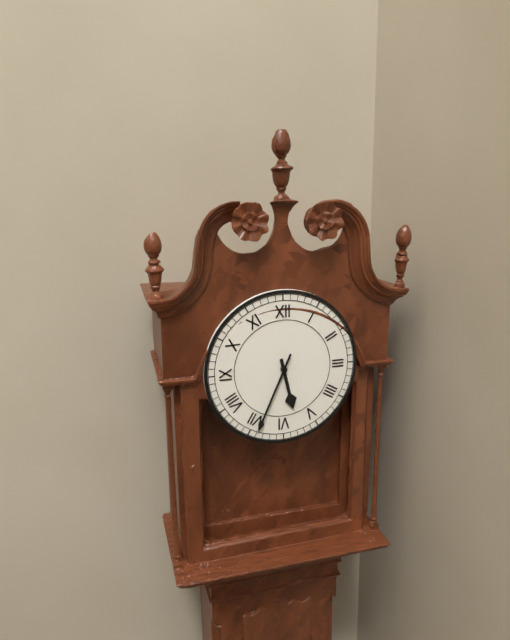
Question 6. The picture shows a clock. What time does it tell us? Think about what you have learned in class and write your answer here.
5:34
